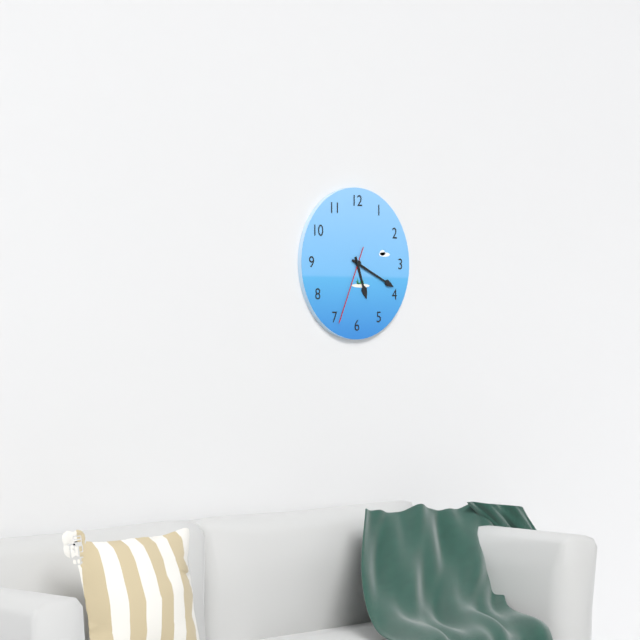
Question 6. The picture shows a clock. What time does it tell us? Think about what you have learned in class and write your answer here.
5:19:34
